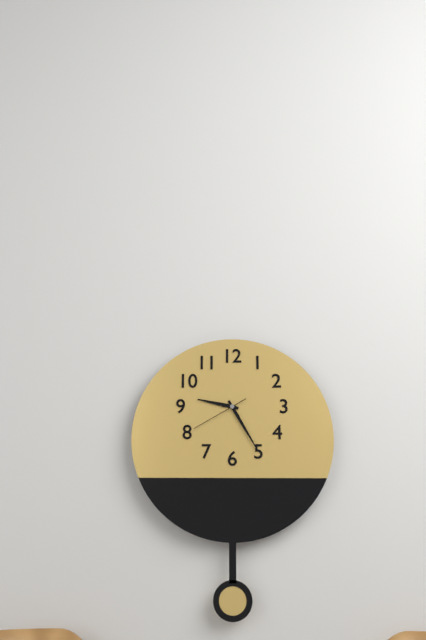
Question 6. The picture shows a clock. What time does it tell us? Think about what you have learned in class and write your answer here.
9:25:40
